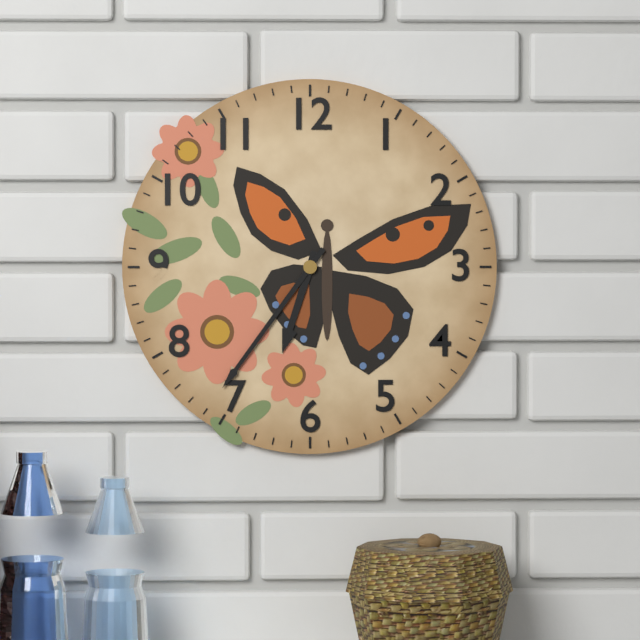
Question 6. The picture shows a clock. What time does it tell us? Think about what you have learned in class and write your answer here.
6:36
